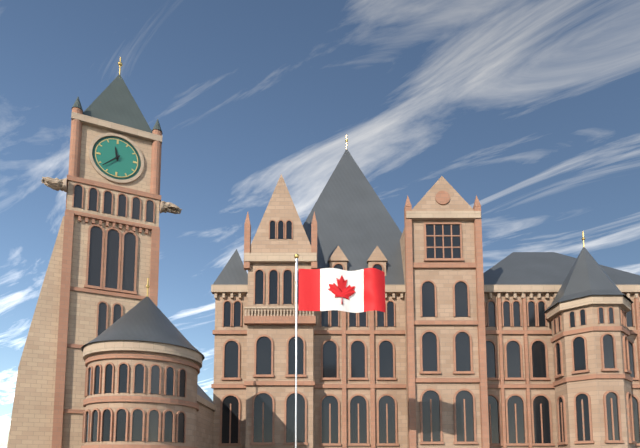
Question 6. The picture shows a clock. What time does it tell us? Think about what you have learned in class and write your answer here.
11:38
